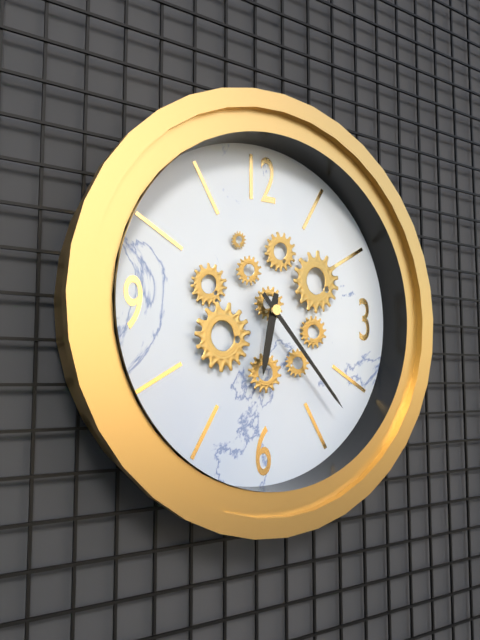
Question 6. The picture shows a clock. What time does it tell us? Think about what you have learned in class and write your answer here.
6:23
